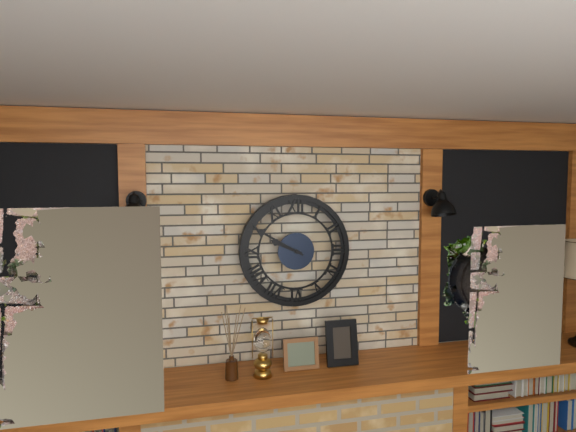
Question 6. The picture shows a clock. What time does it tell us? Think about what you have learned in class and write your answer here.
9:50
